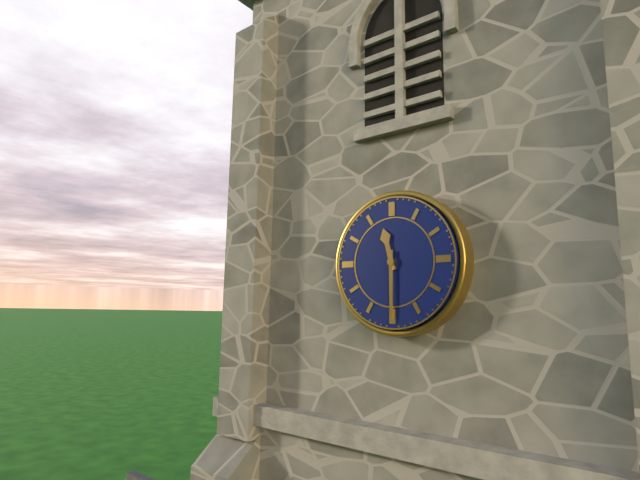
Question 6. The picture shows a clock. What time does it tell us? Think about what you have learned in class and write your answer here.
11:30
